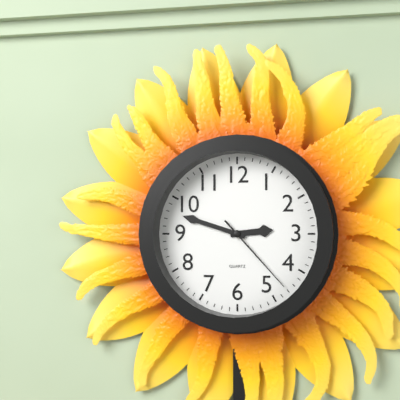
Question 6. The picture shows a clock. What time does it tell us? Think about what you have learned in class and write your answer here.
2:48:23
